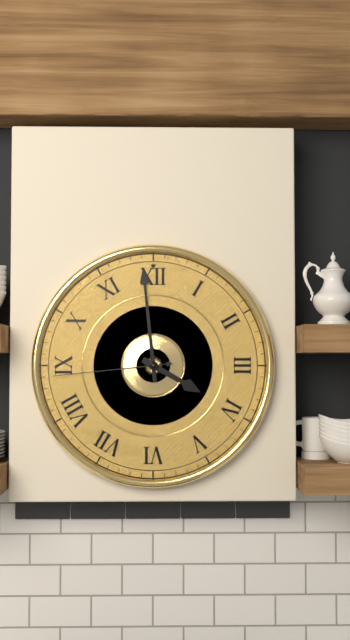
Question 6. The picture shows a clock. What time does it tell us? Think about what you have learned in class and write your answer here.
3:59:44
